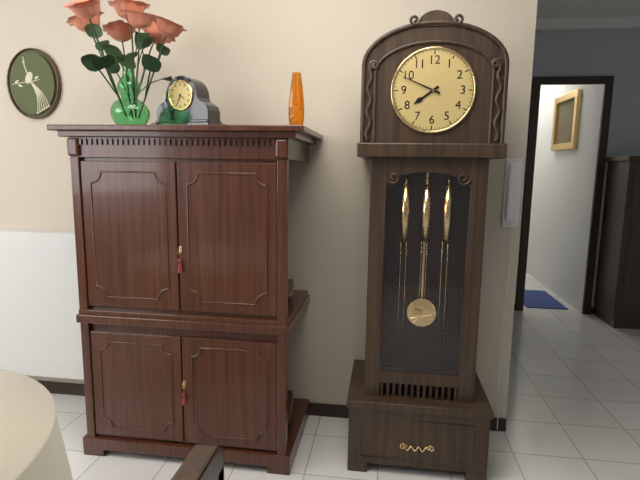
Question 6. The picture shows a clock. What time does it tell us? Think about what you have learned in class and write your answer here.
7:49
